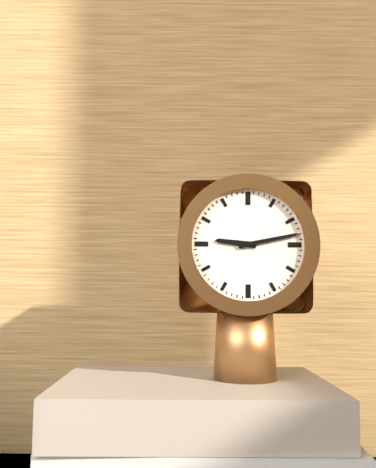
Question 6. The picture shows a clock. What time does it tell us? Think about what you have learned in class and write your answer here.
9:13
